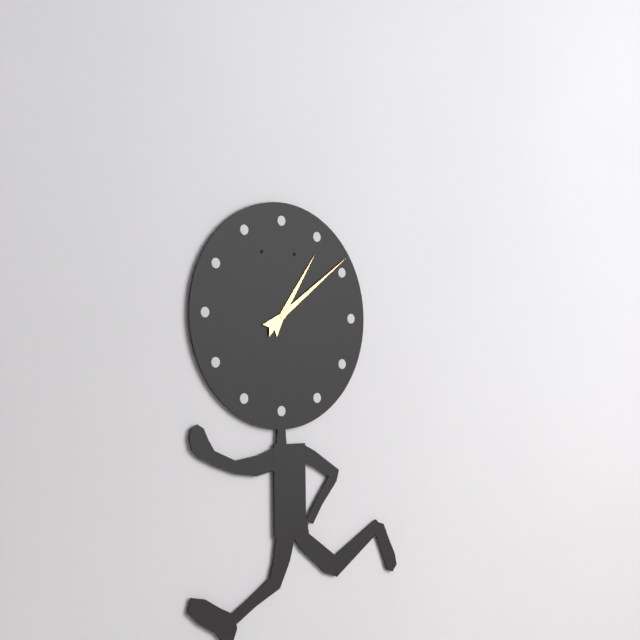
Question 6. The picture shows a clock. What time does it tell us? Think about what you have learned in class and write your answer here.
1:09
